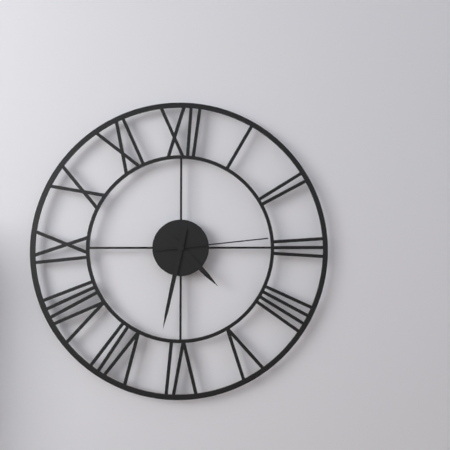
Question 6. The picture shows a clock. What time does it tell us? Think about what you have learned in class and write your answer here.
4:32:14
